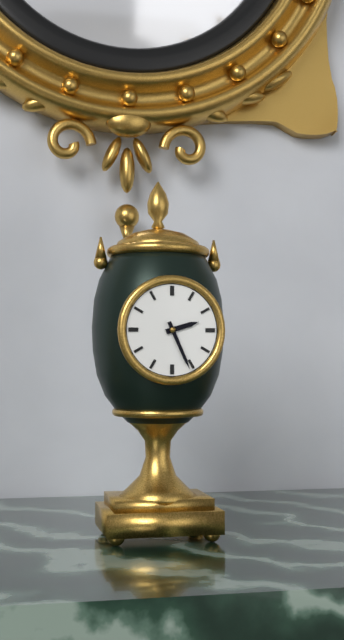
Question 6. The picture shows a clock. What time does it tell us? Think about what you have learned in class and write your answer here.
2:26
